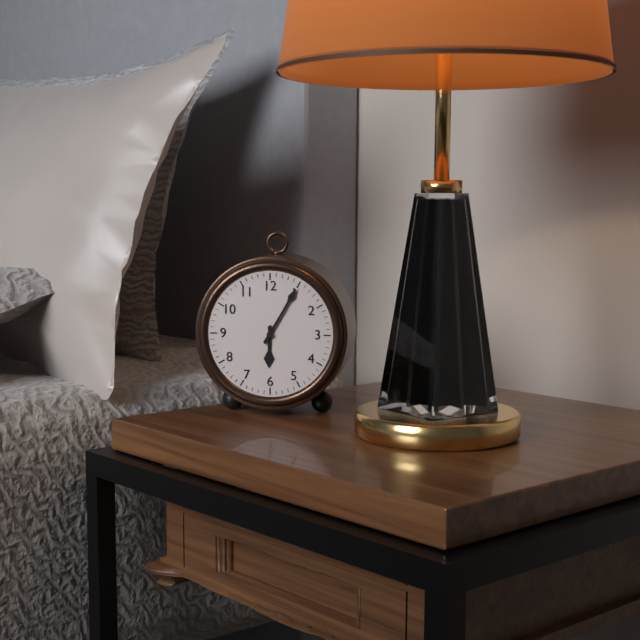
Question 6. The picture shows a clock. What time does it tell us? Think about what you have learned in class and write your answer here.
6:05
